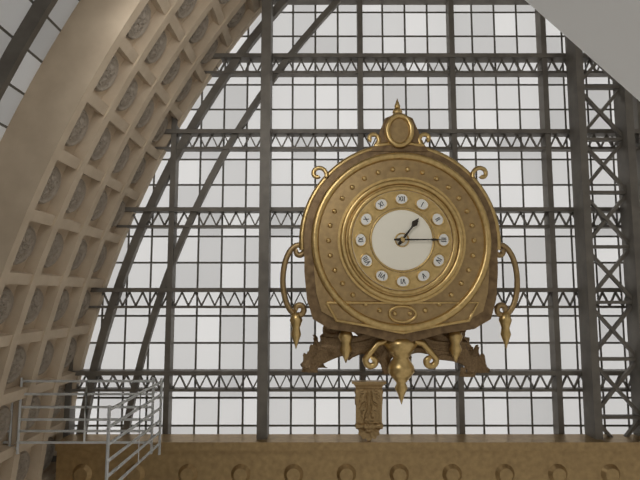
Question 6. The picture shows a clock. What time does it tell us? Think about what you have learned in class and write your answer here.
1:15
